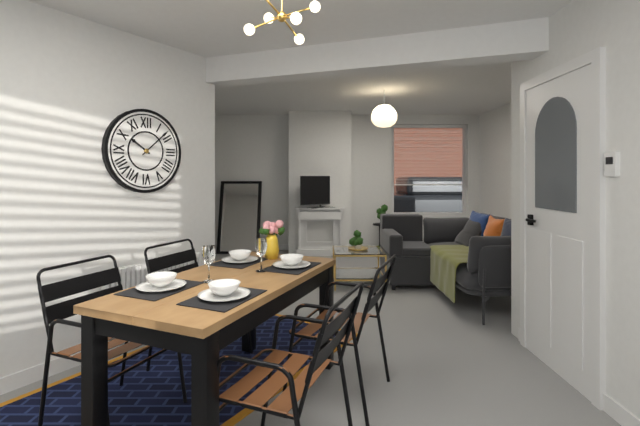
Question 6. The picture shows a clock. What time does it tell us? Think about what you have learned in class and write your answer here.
10:08
